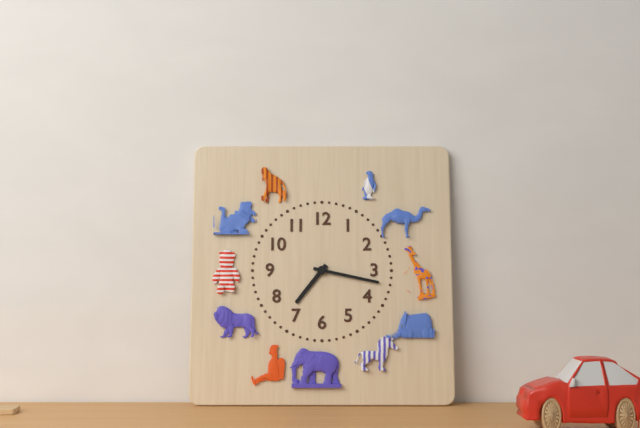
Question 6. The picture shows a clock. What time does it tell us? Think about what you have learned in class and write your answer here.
7:17
